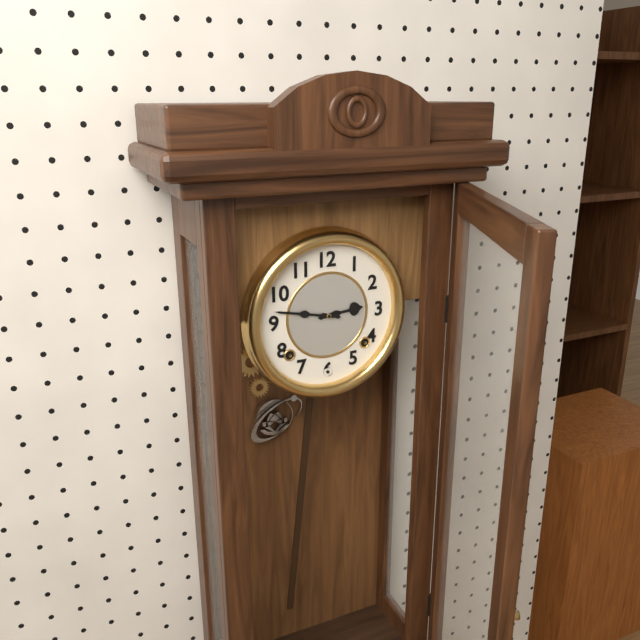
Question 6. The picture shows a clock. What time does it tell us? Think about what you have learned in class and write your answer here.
2:47
